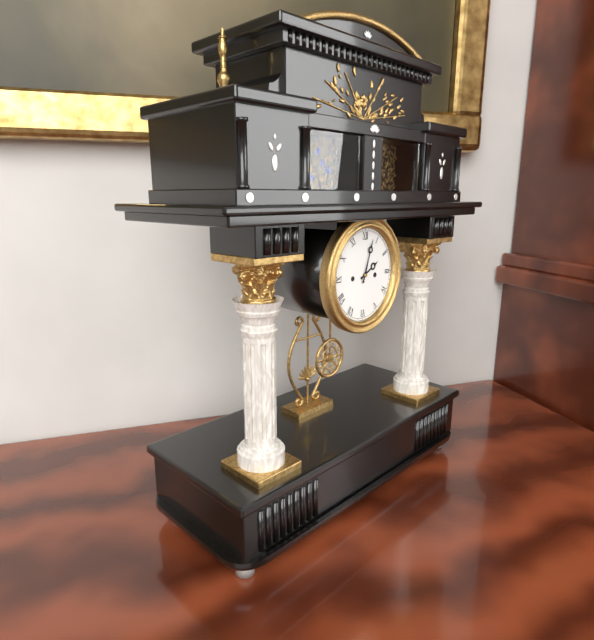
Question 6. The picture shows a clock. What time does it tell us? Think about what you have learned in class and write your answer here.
2:03
